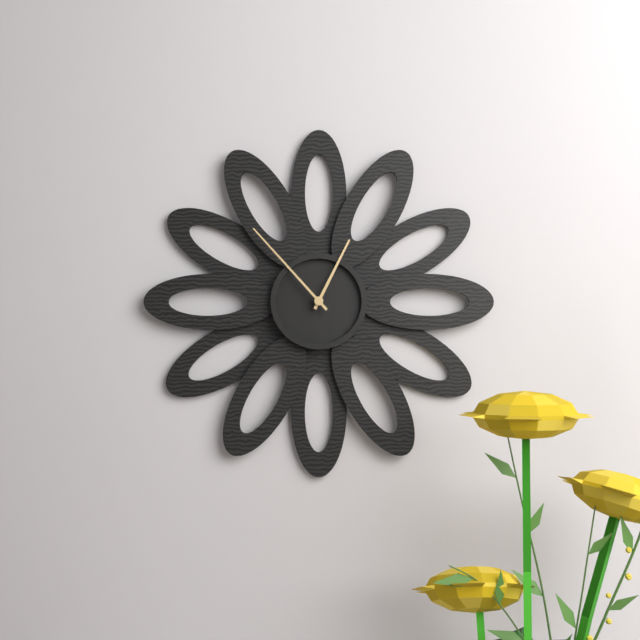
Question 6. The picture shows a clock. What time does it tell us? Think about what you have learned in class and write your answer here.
12:53
